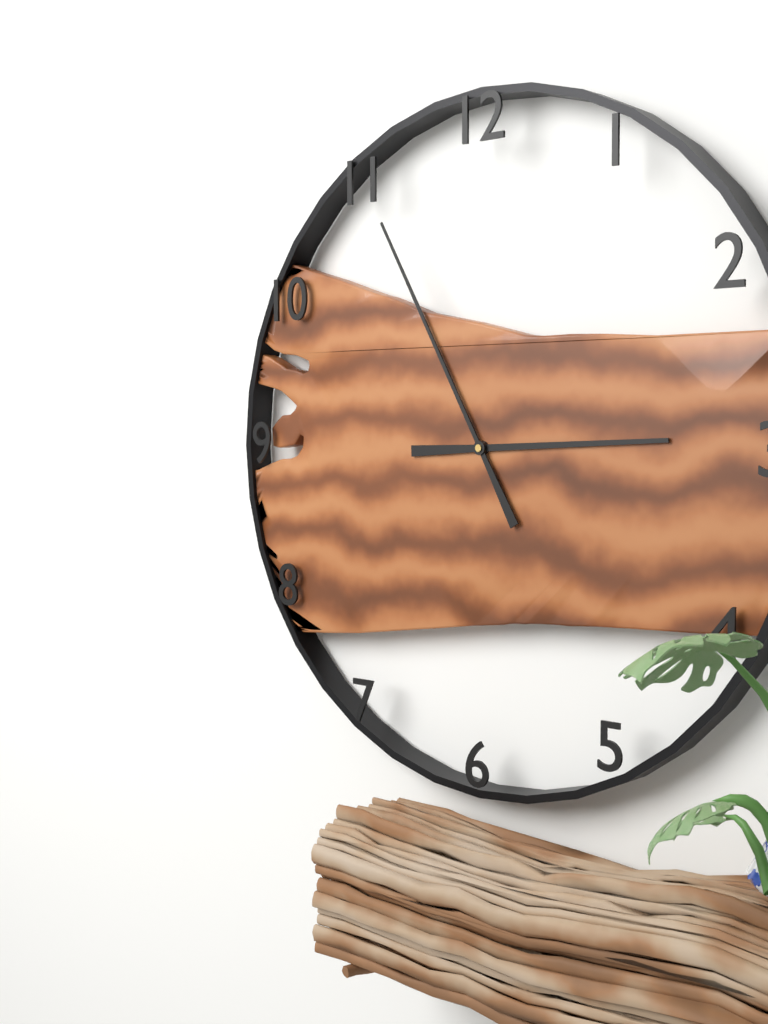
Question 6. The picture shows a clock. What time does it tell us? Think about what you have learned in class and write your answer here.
2:55
